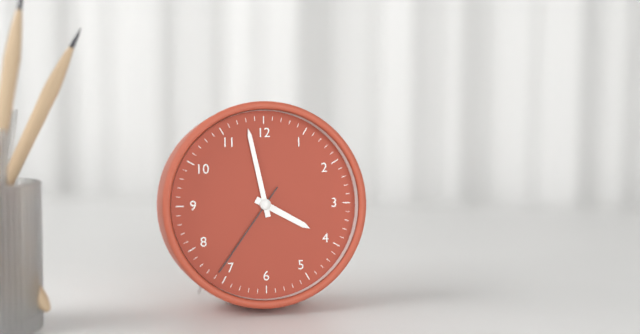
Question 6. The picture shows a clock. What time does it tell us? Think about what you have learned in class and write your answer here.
3:58:36
